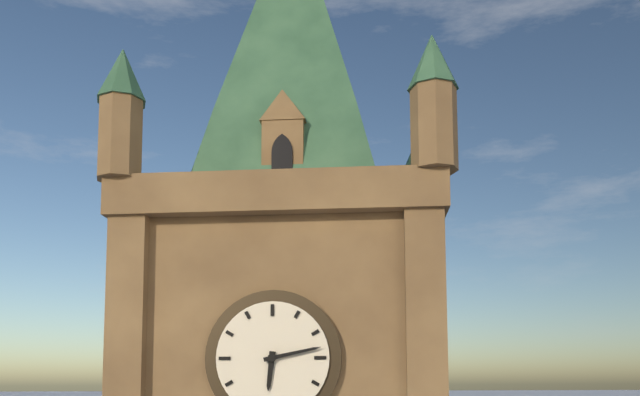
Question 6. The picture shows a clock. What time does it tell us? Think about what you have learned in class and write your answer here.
6:13
